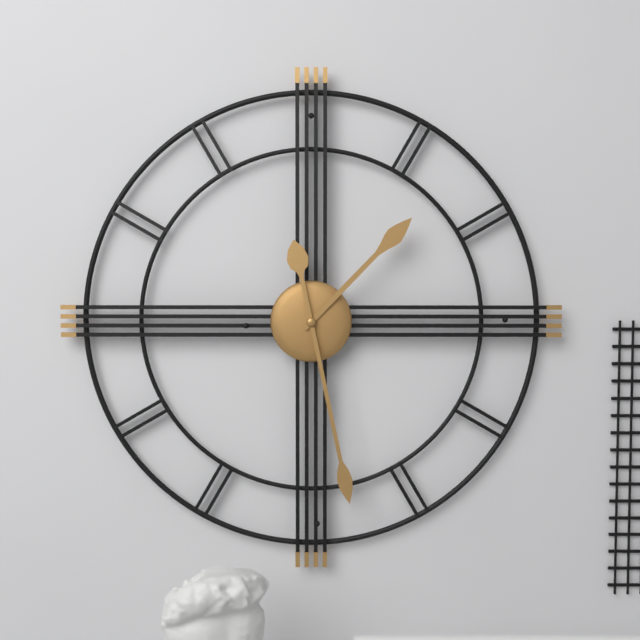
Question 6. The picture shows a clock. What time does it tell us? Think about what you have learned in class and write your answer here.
1:28
